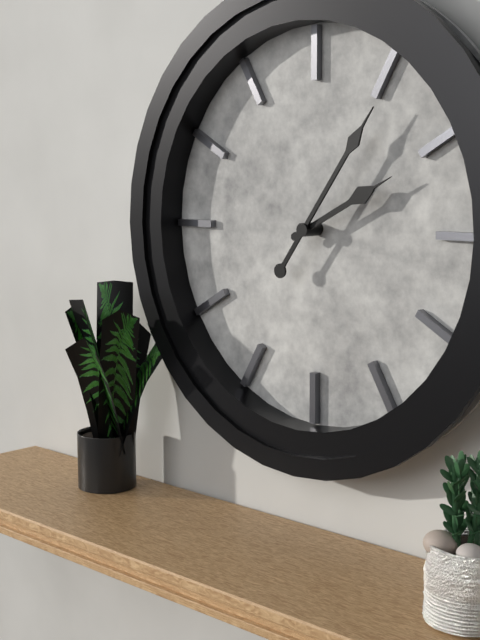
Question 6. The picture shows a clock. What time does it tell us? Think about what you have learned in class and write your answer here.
2:06
